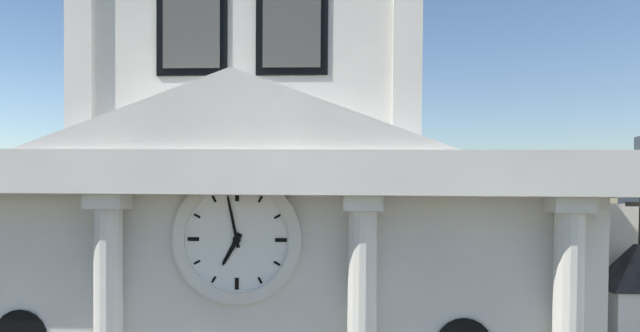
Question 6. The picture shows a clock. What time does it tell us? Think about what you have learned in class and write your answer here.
6:58
